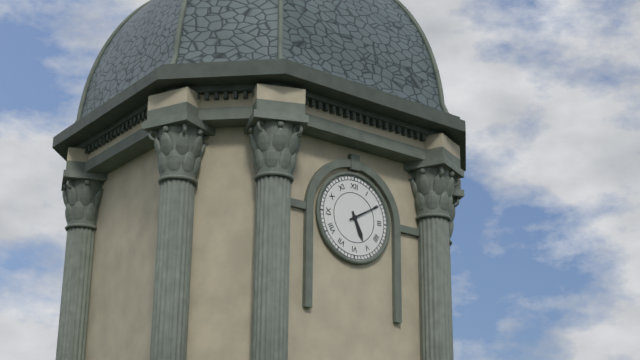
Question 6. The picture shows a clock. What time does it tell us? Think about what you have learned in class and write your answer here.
5:10
